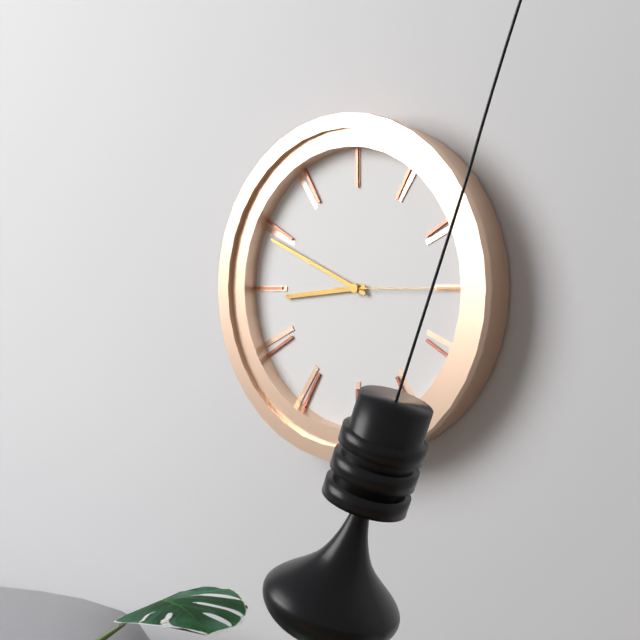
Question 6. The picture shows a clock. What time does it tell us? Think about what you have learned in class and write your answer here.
8:49:15
